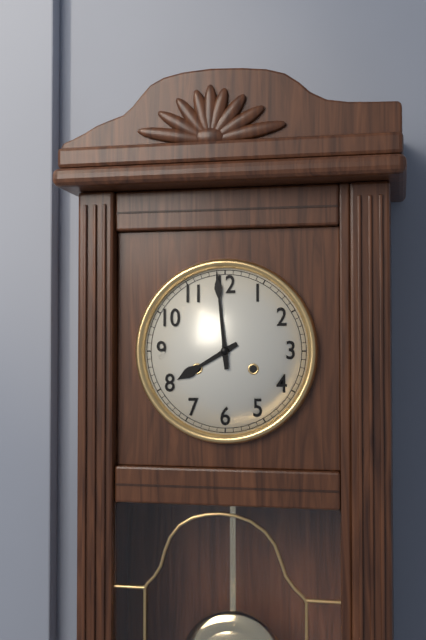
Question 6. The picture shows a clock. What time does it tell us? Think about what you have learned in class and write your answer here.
7:59
